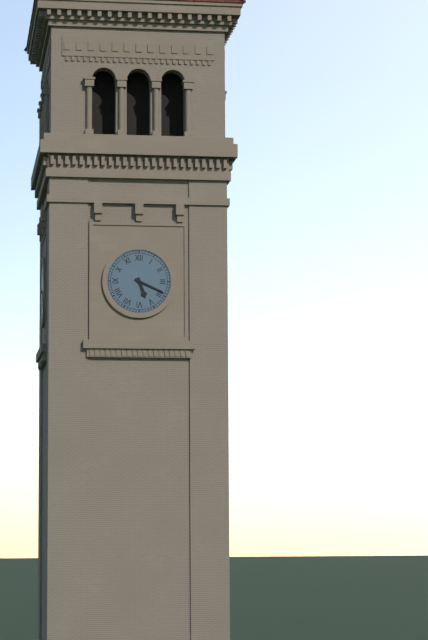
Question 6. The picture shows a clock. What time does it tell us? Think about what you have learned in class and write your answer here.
5:19
